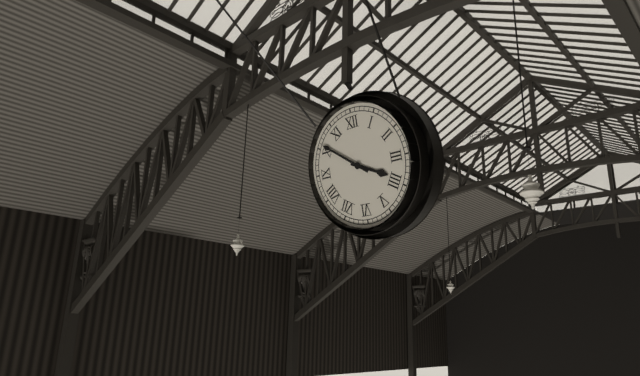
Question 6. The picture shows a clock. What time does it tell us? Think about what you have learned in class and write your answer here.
3:51
